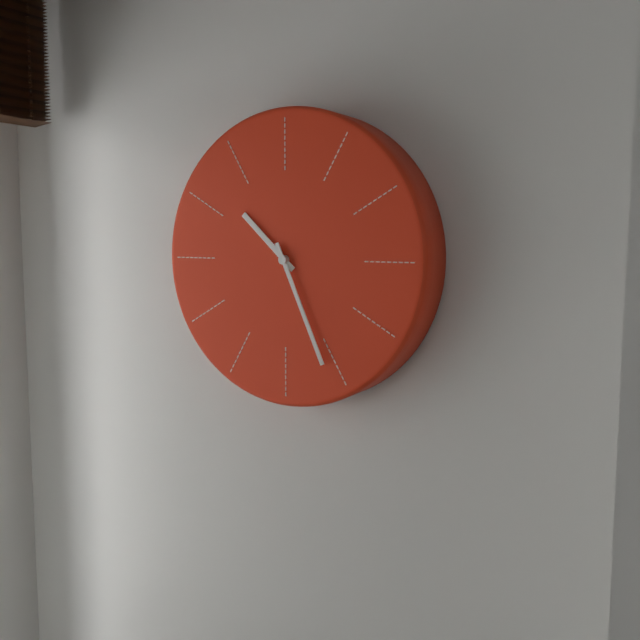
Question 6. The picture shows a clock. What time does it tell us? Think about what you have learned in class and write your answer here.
10:26
